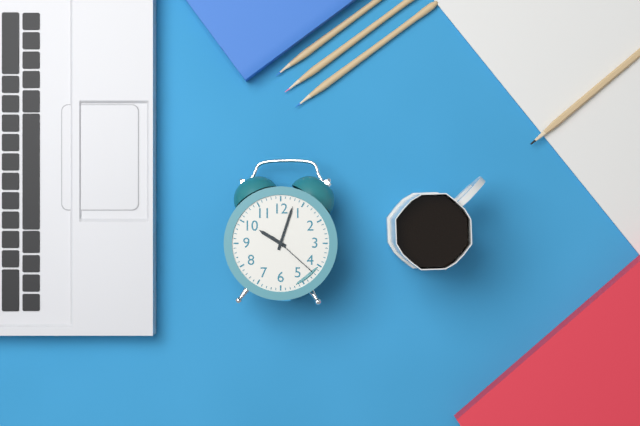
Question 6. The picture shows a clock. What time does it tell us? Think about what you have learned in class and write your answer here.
10:03:22
